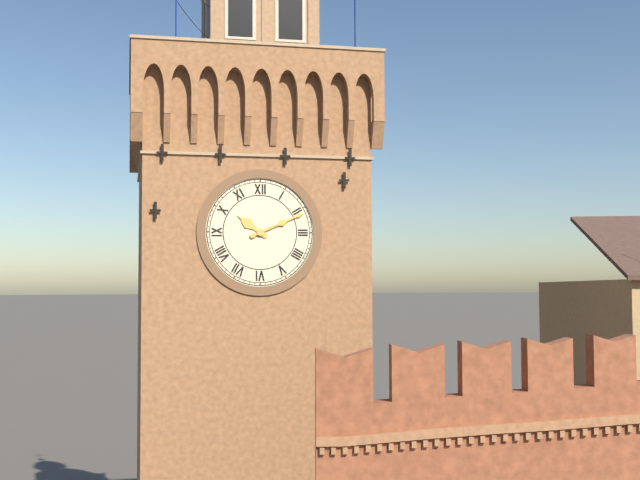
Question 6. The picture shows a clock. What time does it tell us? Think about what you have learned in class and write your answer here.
10:11
